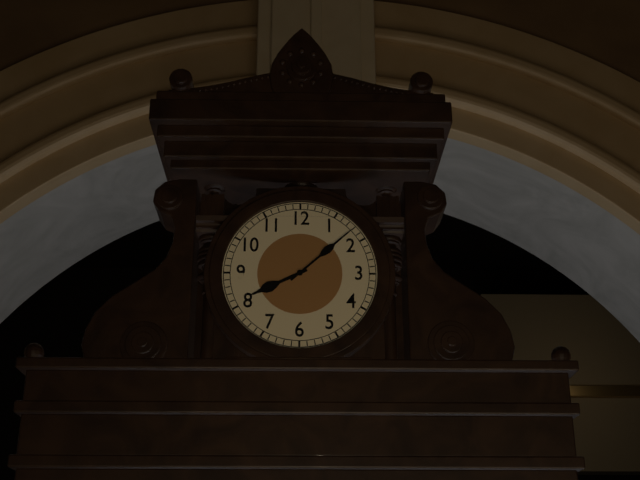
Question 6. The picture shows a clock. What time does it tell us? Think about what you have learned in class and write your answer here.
8:08
